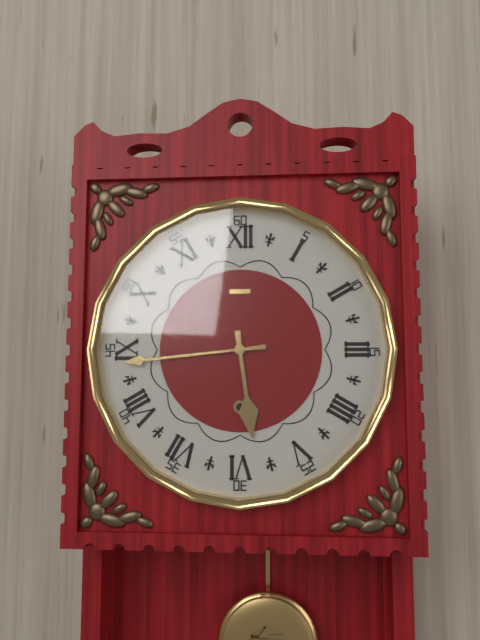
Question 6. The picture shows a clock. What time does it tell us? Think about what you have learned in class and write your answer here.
5:44
